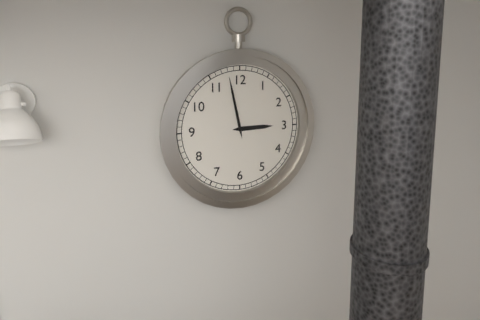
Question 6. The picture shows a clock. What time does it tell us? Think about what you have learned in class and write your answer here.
2:58
